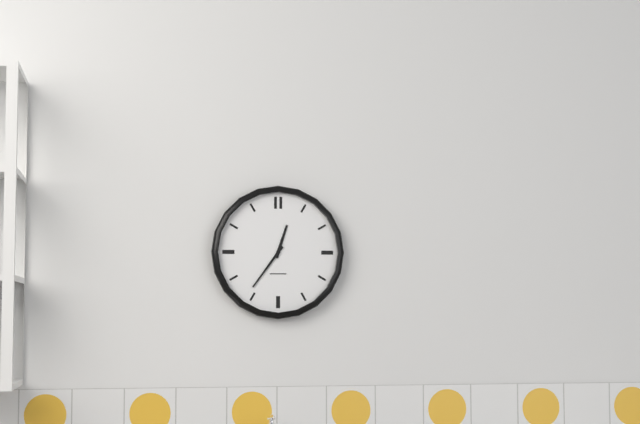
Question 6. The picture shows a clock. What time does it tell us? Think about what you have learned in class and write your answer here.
12:36
